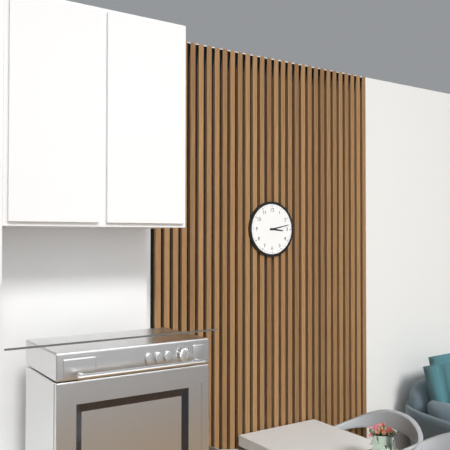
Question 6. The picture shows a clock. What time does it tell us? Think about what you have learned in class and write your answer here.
3:13
